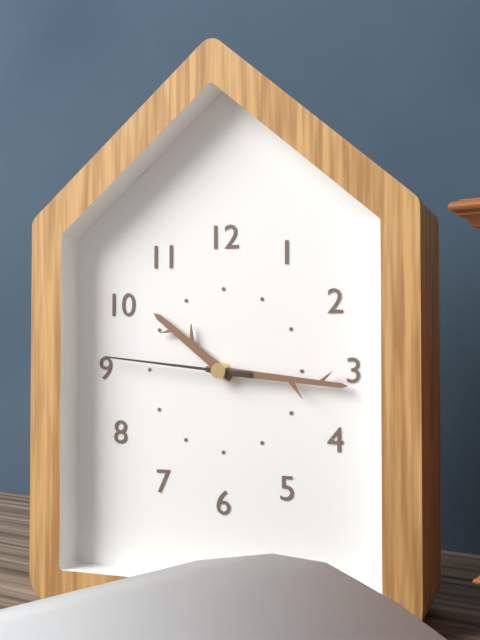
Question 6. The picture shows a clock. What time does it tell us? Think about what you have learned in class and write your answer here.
10:16:46
